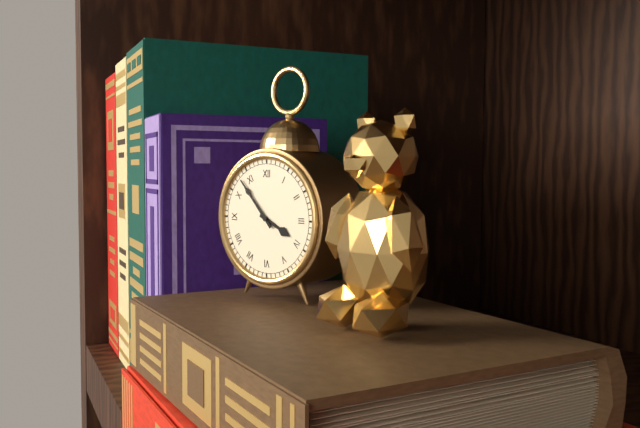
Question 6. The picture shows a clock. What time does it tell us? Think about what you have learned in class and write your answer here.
3:53
